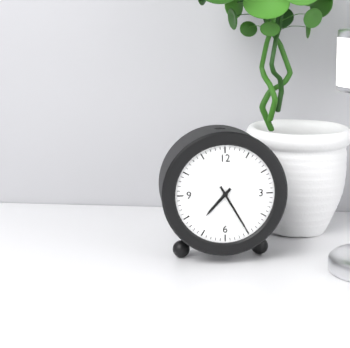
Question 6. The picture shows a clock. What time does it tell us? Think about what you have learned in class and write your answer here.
7:25
